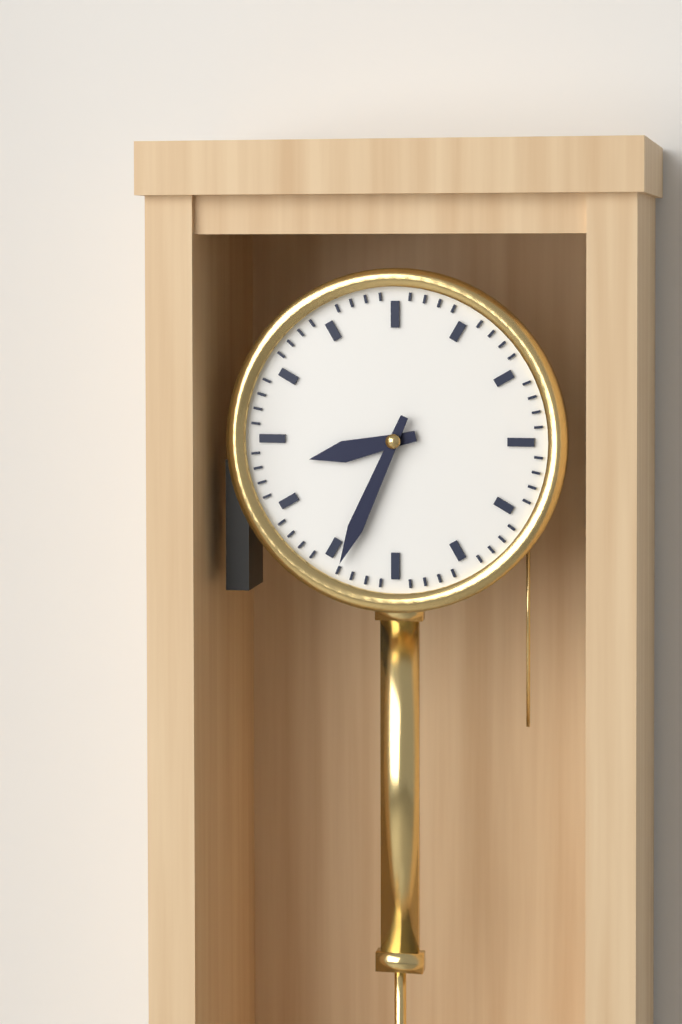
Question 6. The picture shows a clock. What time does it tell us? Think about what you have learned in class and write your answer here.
8:34
